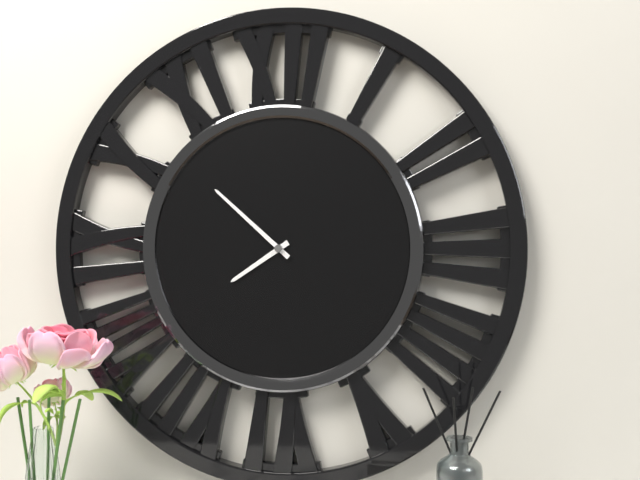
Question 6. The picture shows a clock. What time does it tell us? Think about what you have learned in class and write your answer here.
7:52
